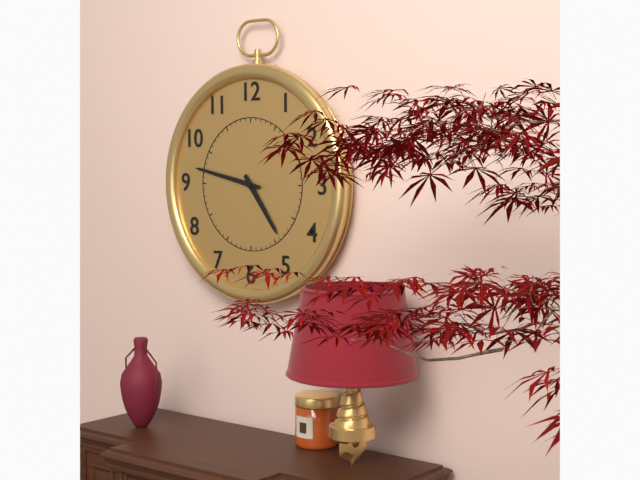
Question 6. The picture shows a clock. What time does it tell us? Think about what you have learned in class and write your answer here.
4:47
